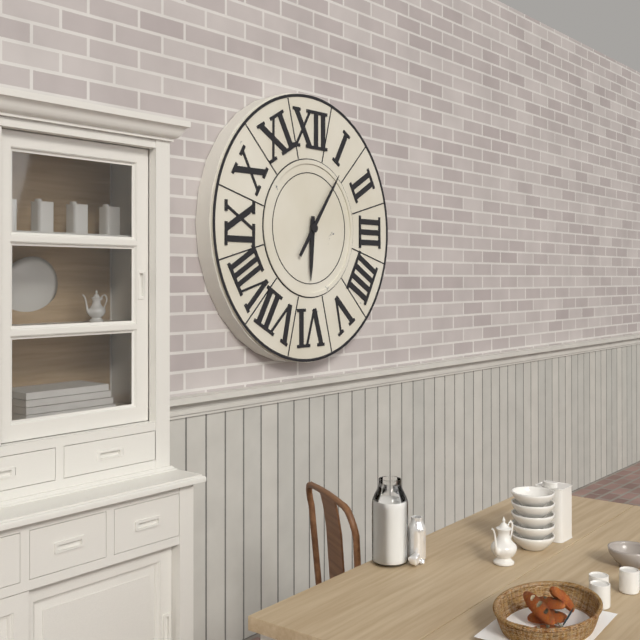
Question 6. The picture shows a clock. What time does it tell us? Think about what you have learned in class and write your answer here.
6:06
